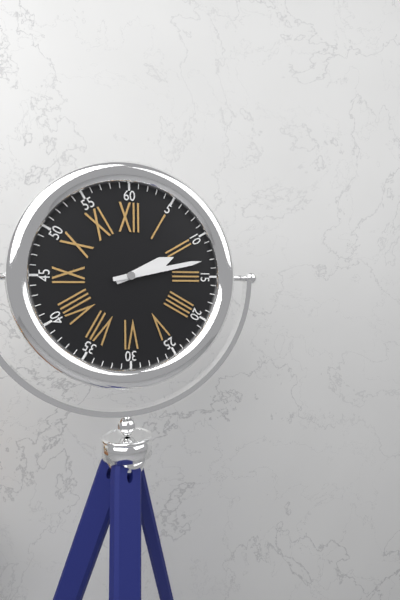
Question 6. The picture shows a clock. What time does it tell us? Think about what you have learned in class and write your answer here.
2:13
